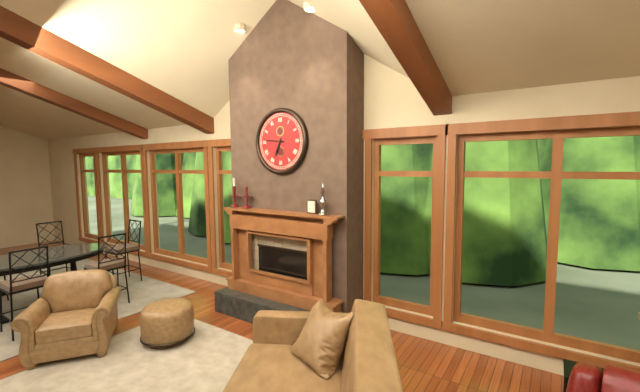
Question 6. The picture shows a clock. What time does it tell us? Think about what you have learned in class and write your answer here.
6:46
